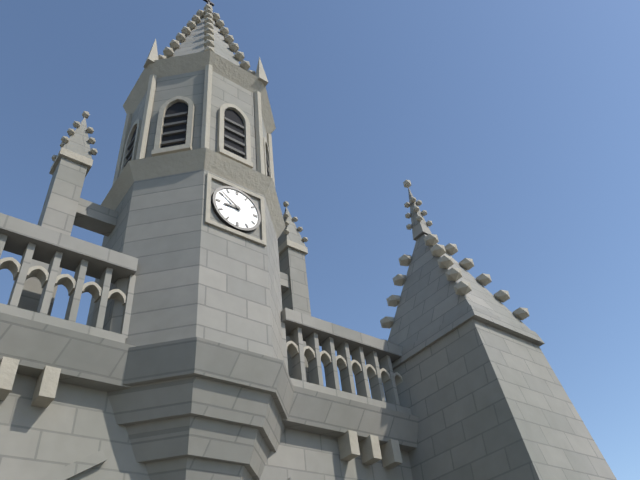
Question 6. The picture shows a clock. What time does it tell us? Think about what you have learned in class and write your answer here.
8:51
